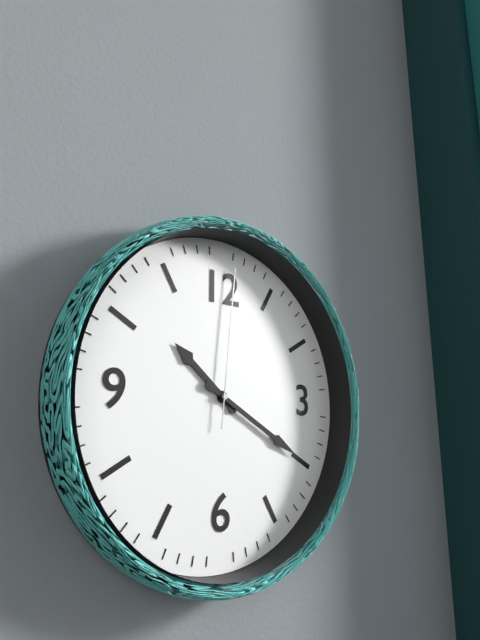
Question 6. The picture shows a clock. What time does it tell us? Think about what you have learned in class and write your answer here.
10:20:01
